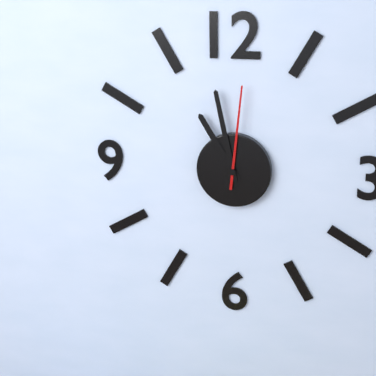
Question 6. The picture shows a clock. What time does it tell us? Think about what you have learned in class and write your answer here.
10:58:01
